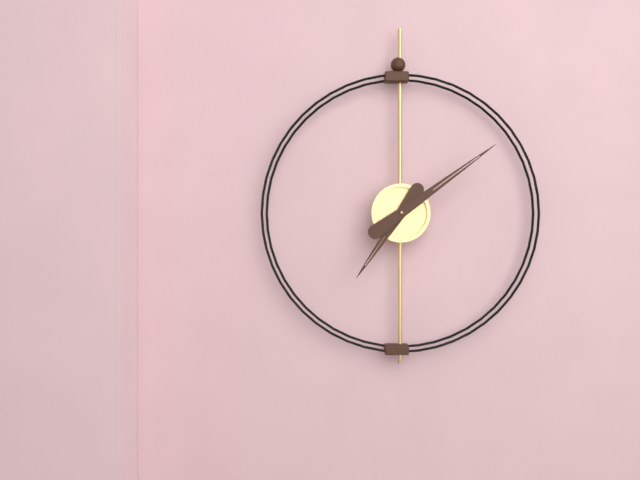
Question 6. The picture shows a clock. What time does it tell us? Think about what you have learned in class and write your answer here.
7:09
